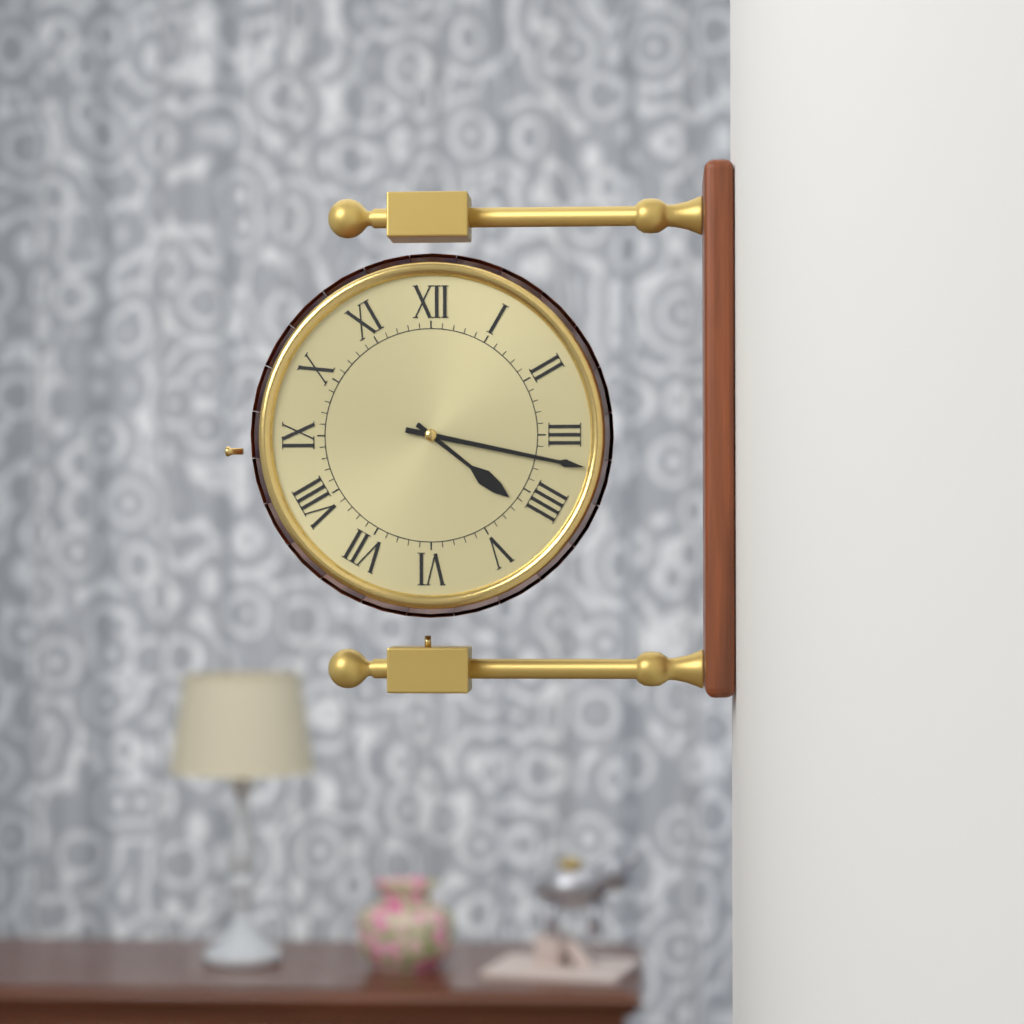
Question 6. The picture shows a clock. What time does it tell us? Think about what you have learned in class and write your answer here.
4:17
